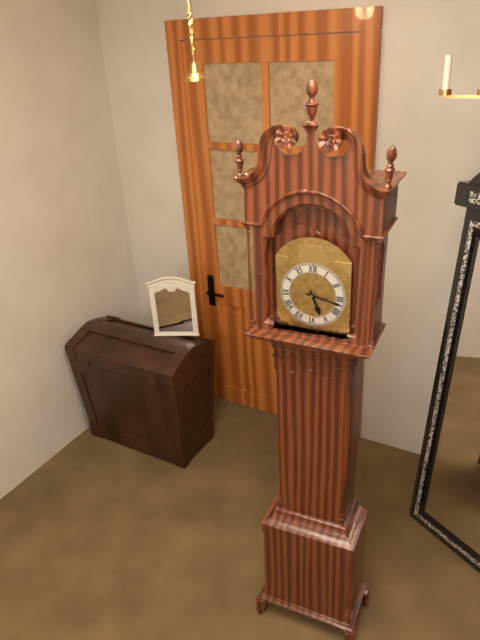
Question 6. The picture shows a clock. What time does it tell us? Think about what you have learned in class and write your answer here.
5:17
